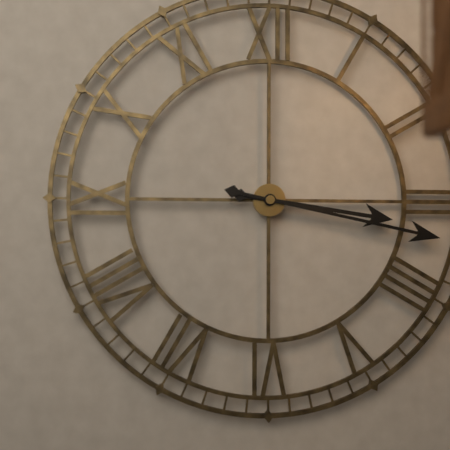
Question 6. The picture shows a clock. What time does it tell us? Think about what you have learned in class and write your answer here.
3:17
